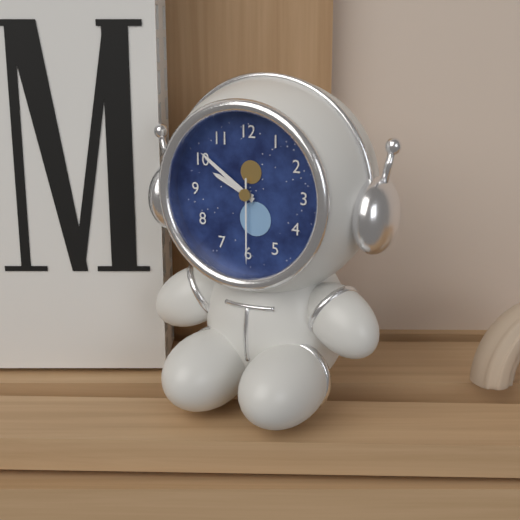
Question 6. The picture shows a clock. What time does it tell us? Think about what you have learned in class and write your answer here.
9:51:30
